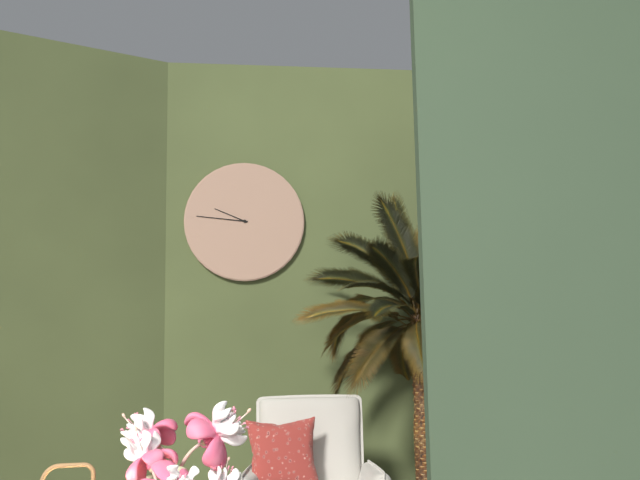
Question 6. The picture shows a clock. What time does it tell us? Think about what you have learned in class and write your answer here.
9:46
